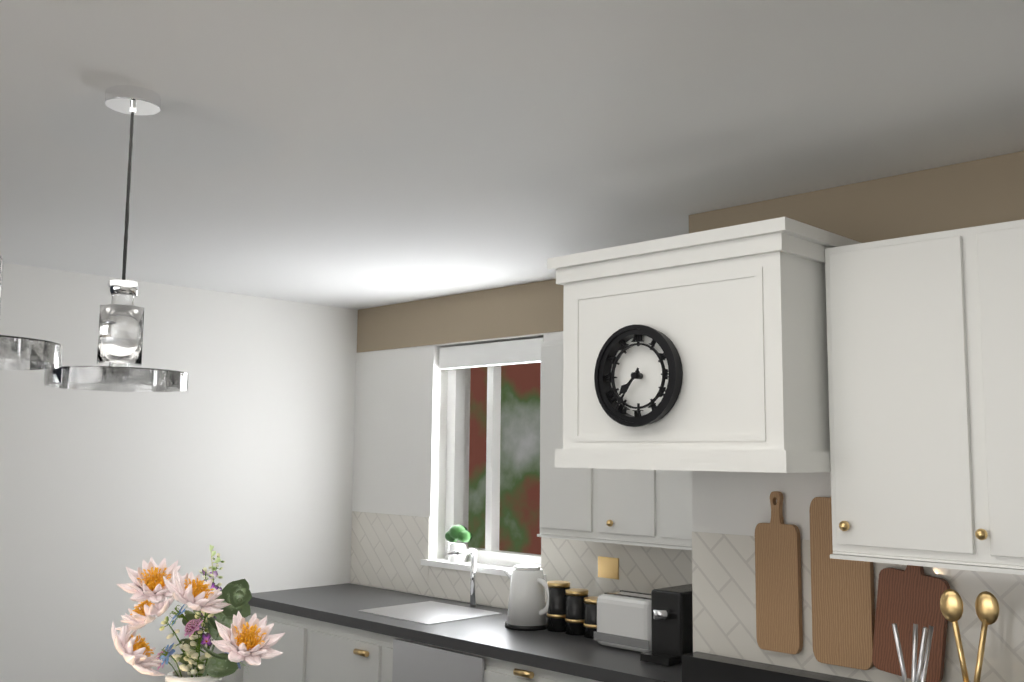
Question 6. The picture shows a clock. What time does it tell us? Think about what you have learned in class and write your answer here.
7:36
